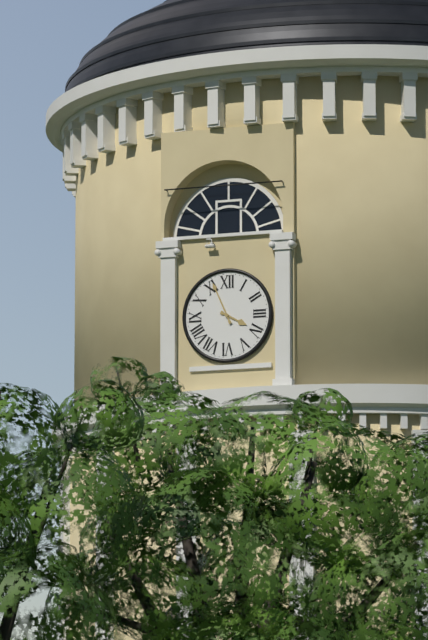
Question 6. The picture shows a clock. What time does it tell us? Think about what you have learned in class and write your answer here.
3:56
